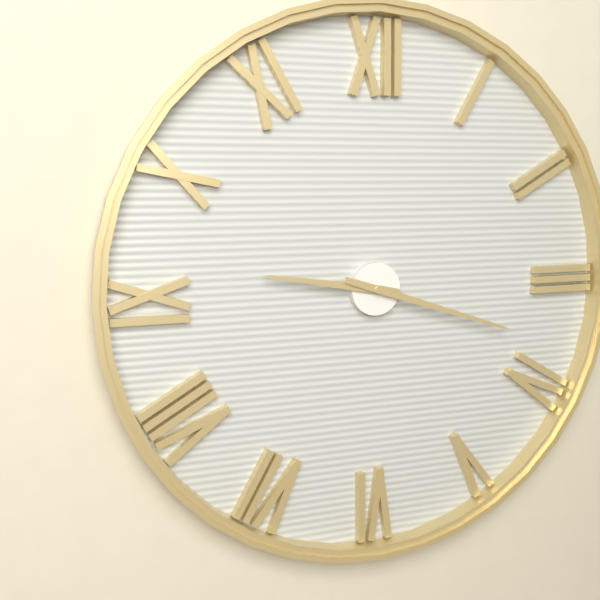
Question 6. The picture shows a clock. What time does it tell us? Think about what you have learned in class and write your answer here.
9:18
